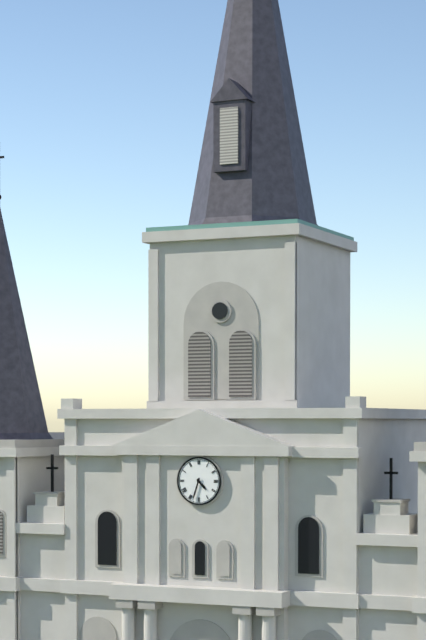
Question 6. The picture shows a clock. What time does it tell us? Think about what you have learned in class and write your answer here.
4:33
